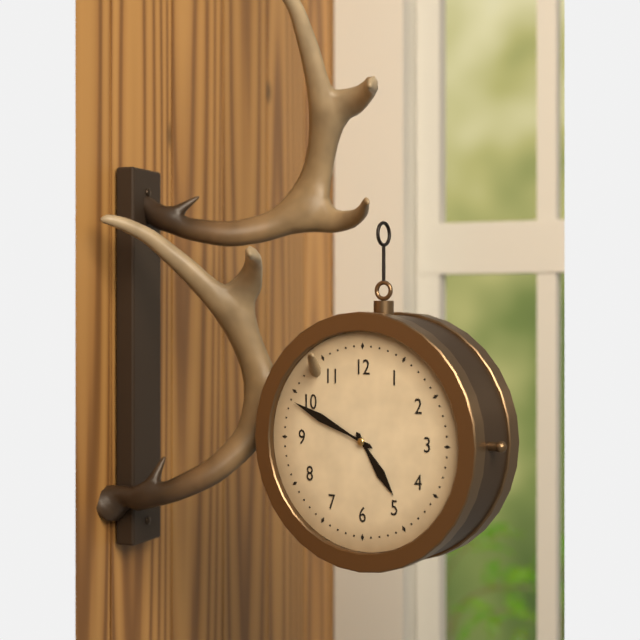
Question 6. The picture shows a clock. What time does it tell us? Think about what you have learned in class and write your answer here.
4:49
